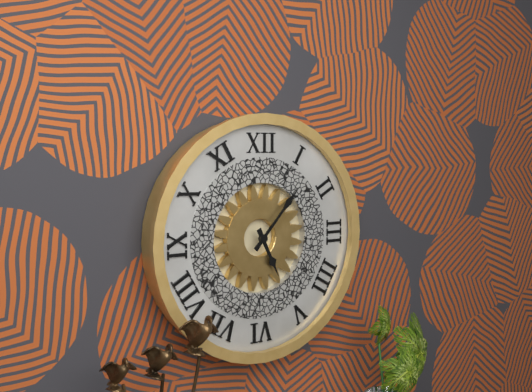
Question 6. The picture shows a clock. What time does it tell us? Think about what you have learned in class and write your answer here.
5:07
